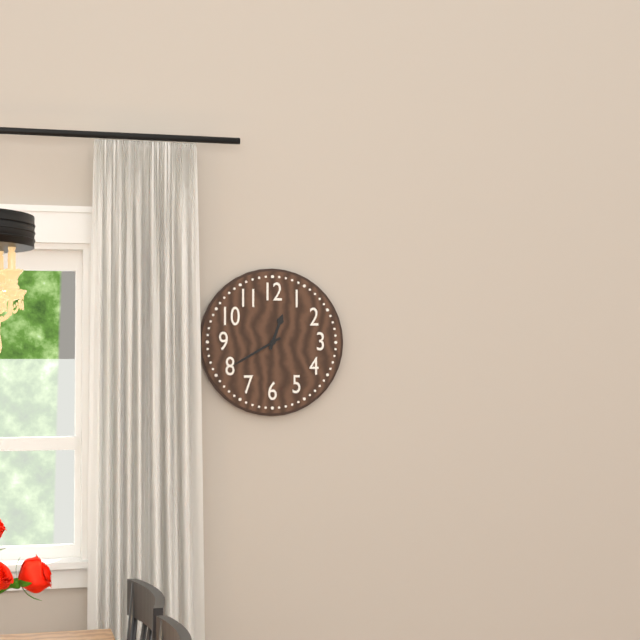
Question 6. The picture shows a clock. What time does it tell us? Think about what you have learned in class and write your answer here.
12:40
